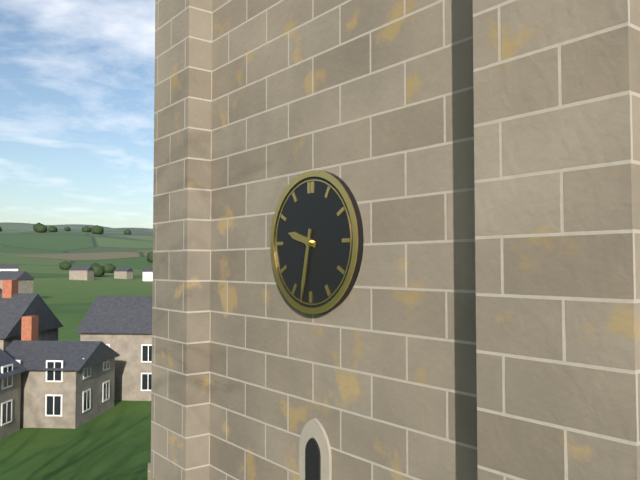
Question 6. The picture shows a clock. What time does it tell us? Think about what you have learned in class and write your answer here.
9:32
